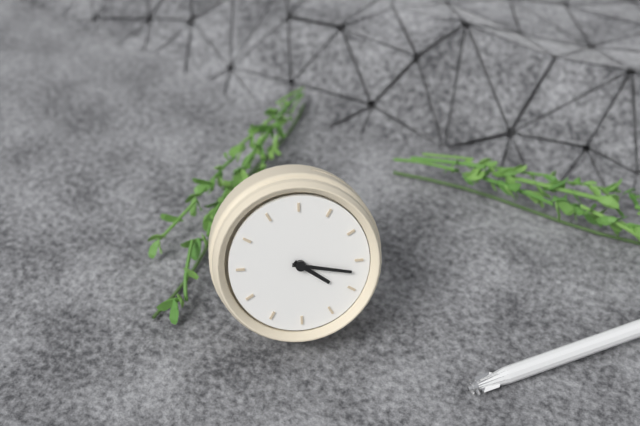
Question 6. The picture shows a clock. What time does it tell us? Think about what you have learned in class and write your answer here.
3:12
